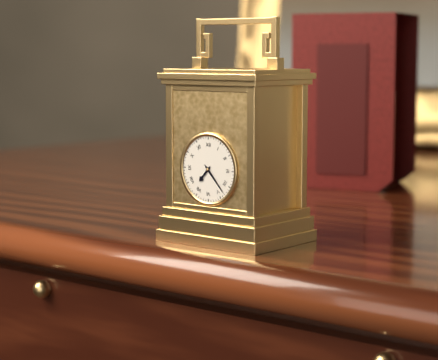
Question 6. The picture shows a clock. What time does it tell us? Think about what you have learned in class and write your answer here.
7:23
